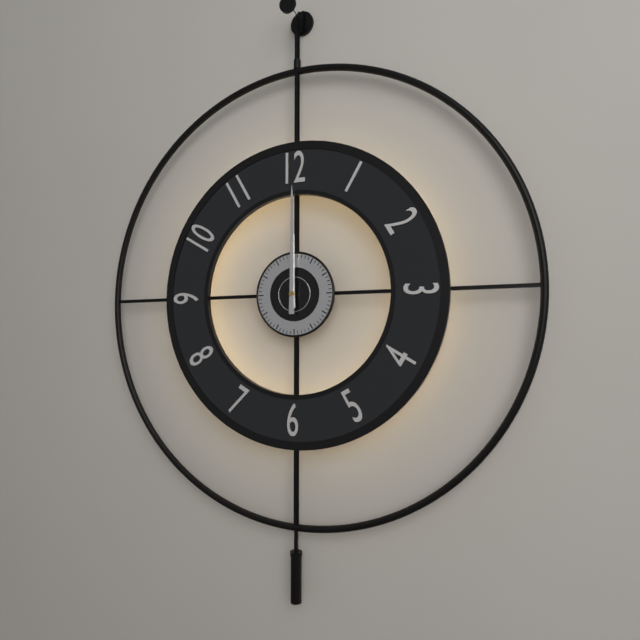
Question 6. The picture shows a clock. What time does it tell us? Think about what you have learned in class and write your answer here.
12:00
